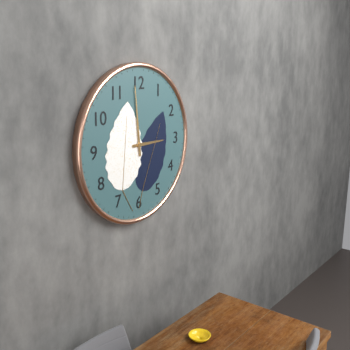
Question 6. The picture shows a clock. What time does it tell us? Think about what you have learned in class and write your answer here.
2:59
